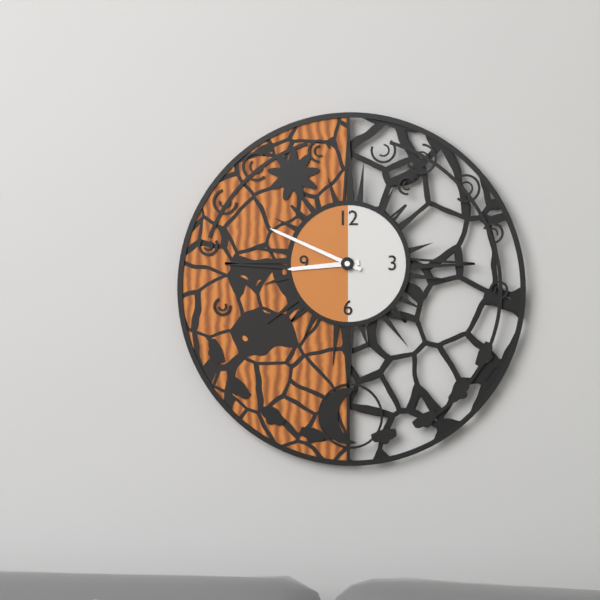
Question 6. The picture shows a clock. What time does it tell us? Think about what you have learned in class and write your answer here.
8:49
